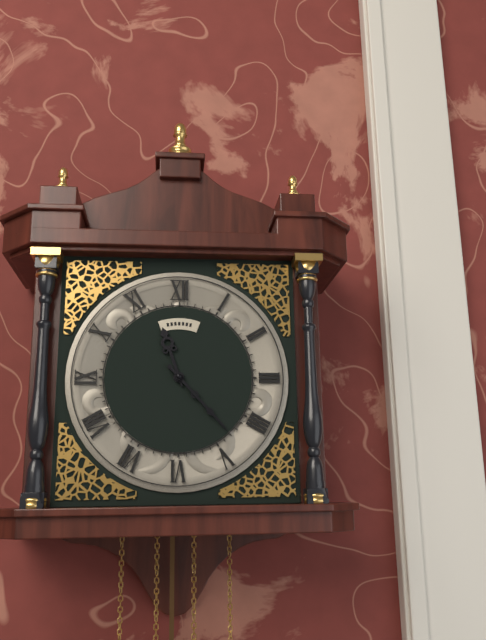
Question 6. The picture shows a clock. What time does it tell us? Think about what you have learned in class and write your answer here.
11:23
